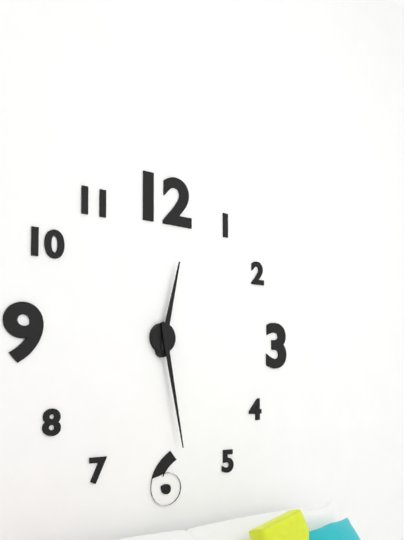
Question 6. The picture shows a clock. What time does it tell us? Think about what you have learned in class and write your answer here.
12:28
